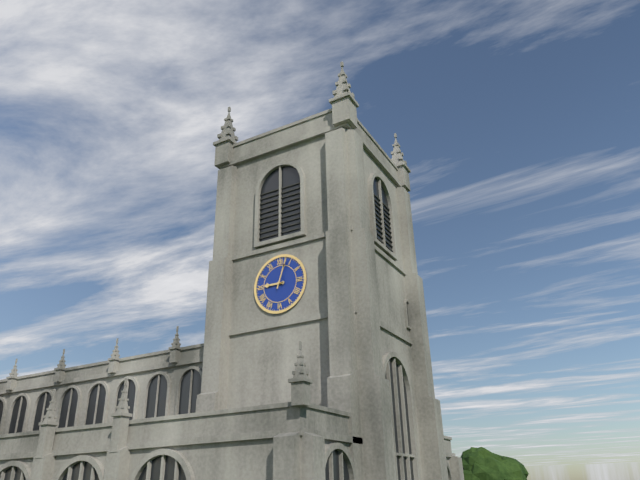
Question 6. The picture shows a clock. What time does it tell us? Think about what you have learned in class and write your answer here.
9:03
